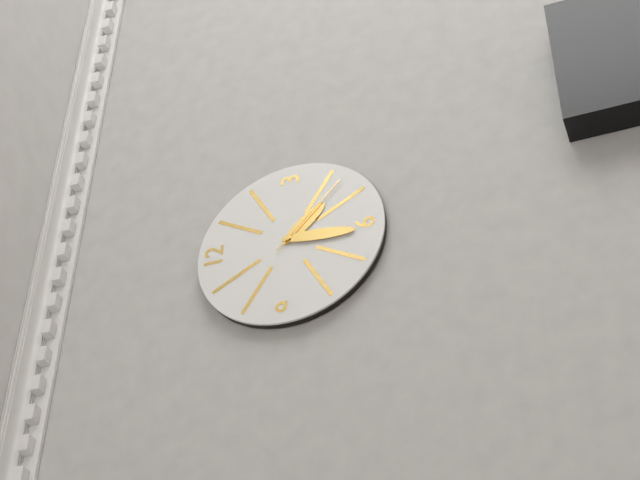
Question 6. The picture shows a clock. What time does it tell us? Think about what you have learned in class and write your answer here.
4:31:22
